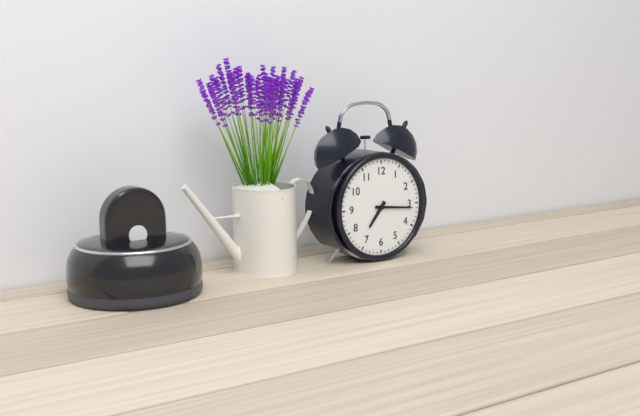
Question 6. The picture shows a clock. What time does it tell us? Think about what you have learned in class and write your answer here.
7:16
